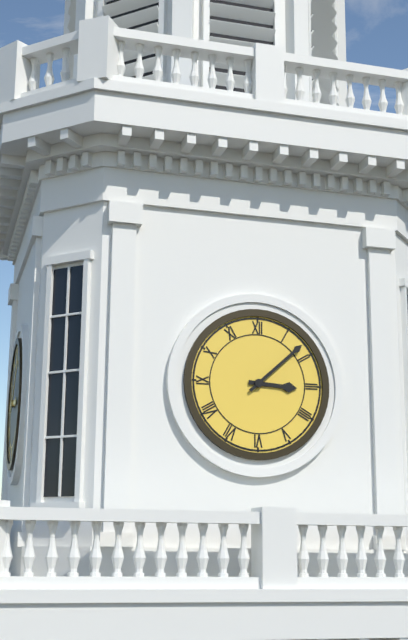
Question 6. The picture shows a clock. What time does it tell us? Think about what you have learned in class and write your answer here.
3:08
